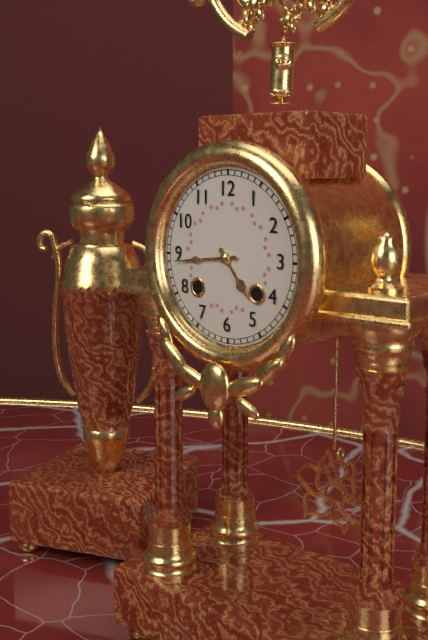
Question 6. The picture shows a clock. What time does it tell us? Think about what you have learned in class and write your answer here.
4:44
